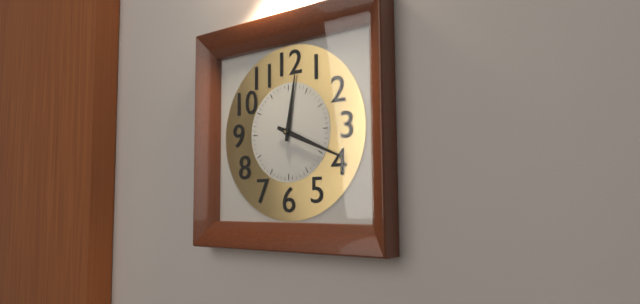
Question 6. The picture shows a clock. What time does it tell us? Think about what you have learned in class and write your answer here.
12:19
